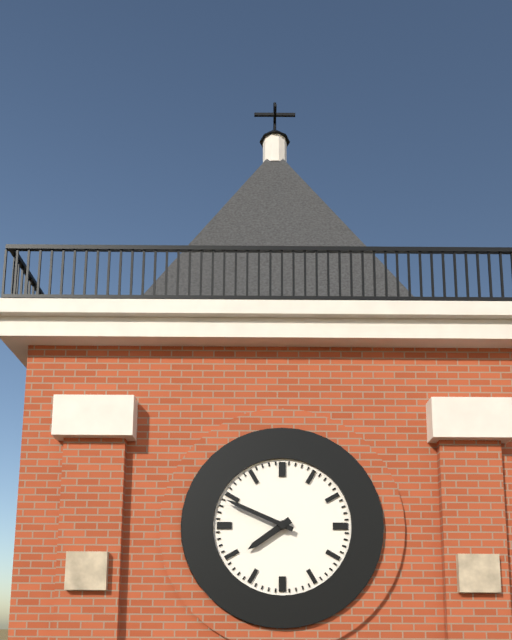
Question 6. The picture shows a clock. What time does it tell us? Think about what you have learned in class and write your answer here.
7:49
